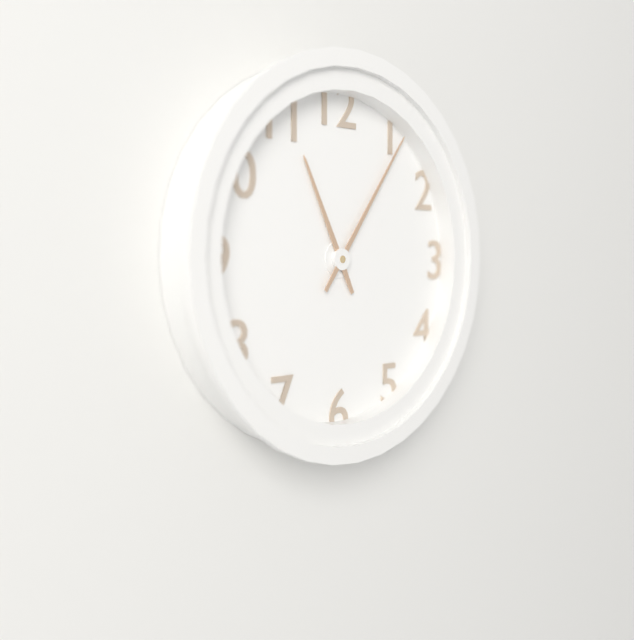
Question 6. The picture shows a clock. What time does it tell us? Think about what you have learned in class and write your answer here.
11:06
